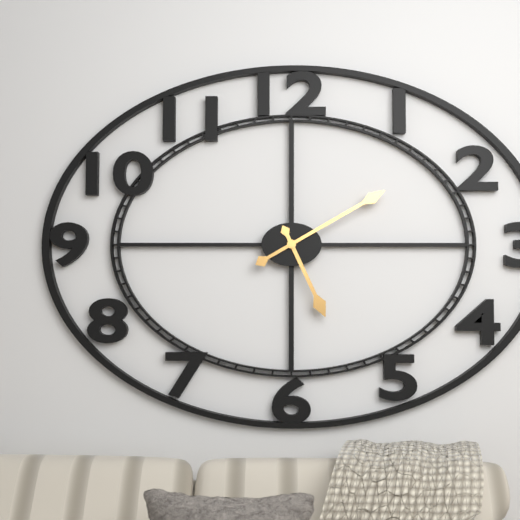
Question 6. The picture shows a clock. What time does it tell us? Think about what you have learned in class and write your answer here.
5:10
